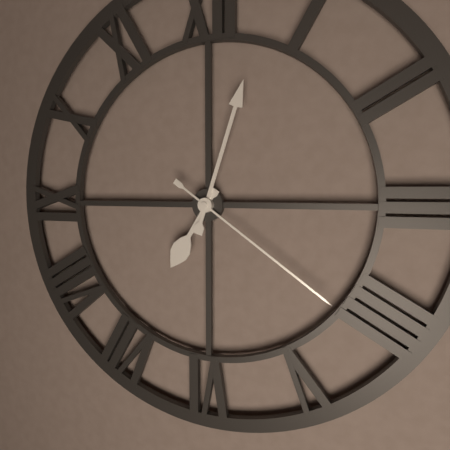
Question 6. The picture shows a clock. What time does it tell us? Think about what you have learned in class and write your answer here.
7:03:21
